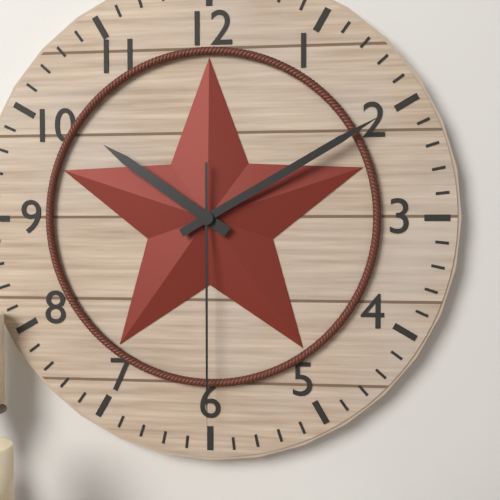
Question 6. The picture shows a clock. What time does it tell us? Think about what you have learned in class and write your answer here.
10:10:30
